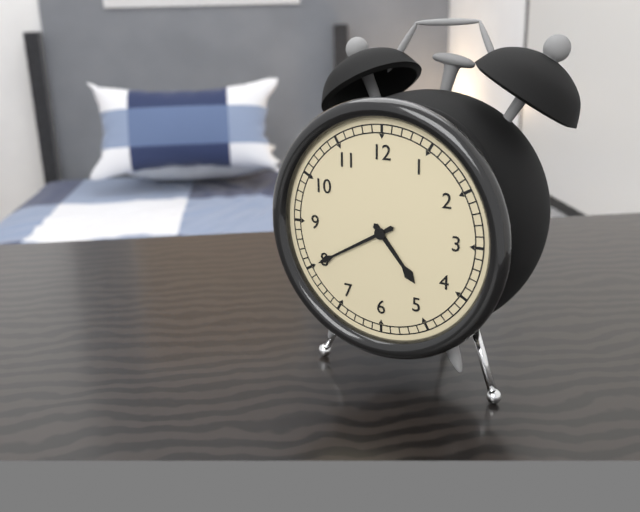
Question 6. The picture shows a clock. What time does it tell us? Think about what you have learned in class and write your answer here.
4:40
